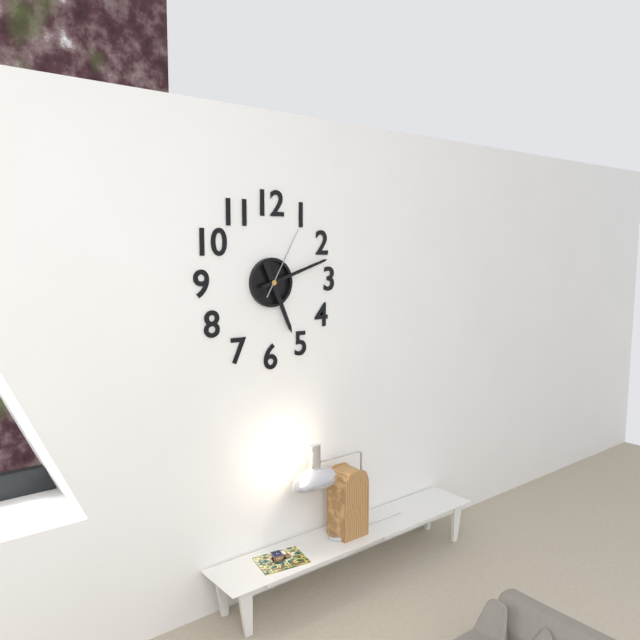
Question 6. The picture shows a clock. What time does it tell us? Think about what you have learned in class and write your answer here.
5:12:05
